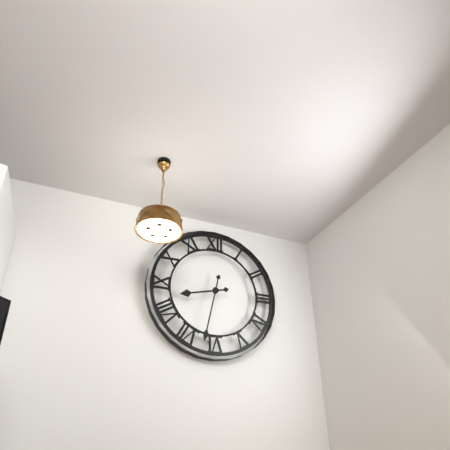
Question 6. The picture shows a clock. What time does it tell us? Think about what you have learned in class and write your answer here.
8:32
